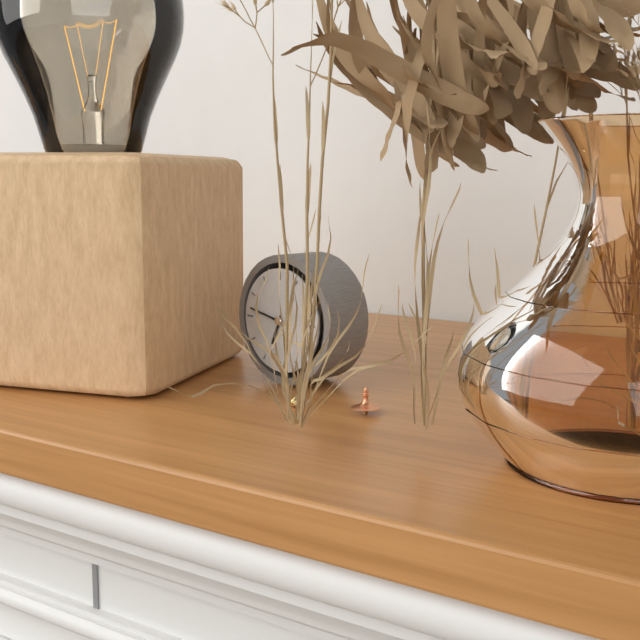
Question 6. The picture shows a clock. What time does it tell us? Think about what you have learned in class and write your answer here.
6:47
